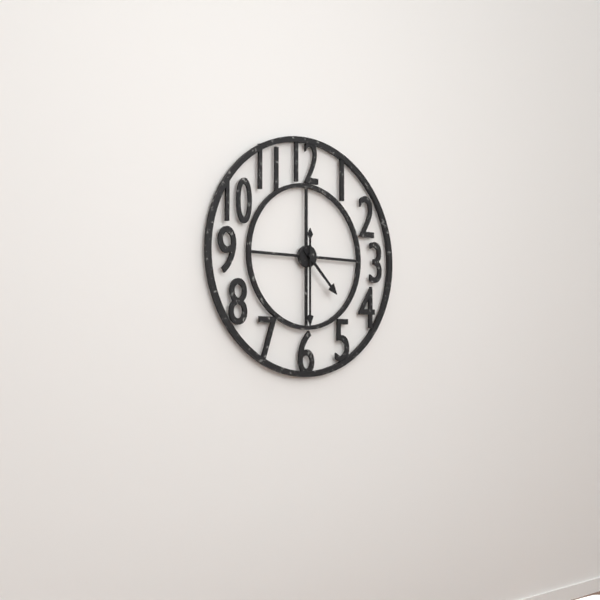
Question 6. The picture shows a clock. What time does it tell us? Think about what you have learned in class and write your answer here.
4:30
